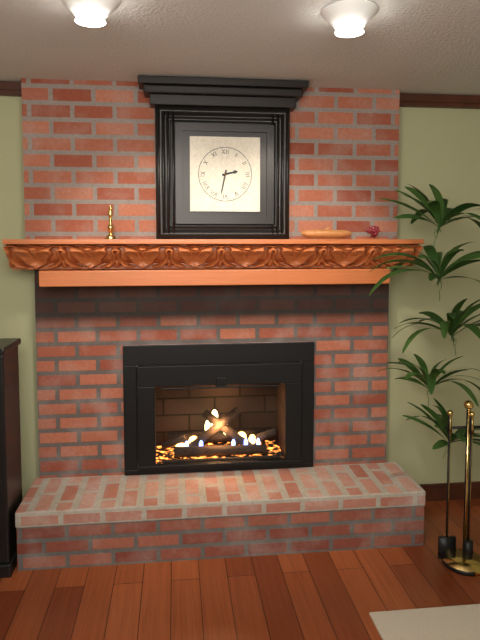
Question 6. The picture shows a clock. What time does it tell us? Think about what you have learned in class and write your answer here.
2:32
